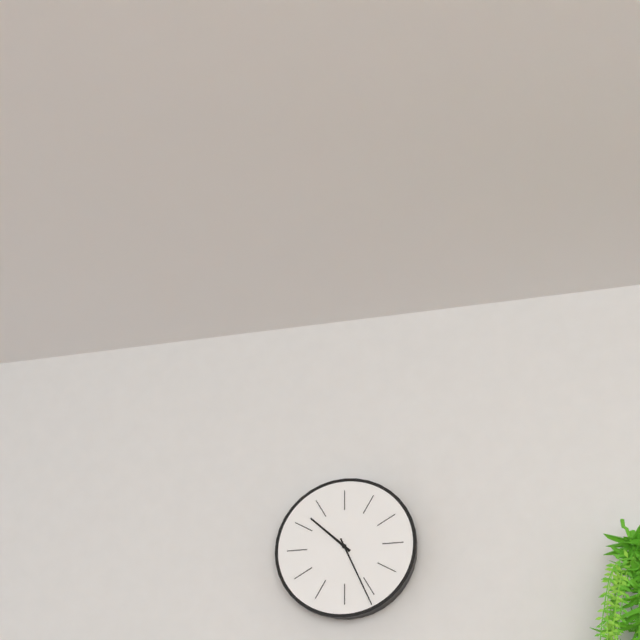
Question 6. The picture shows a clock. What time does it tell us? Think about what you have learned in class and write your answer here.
10:26
